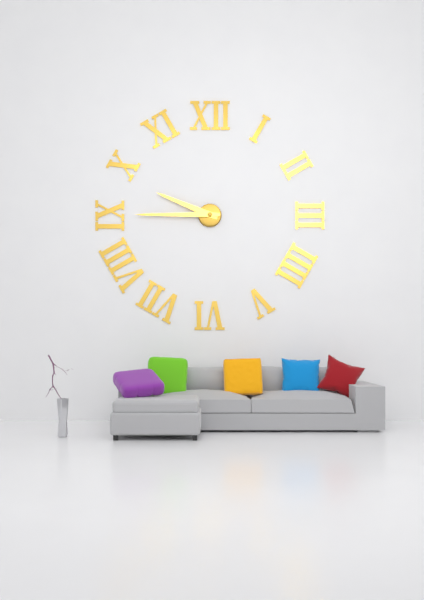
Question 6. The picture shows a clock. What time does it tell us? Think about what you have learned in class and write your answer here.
9:45
